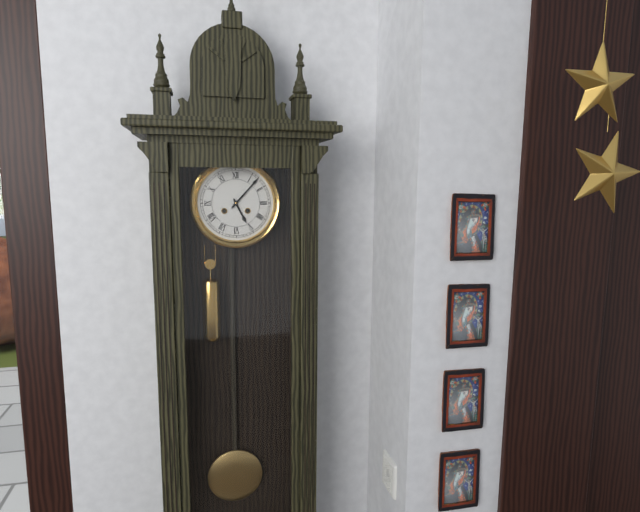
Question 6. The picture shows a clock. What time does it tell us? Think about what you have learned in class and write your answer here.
5:07
